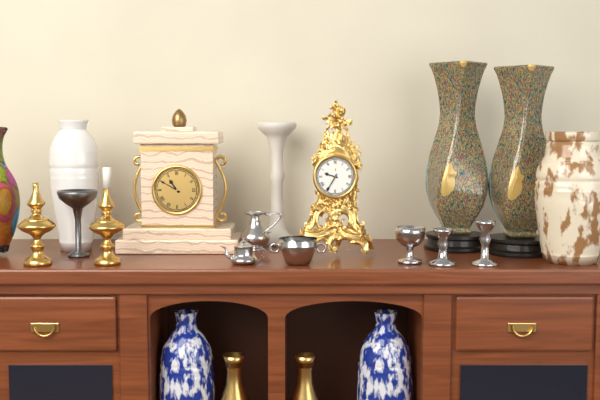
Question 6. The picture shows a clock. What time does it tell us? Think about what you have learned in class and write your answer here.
9:35
